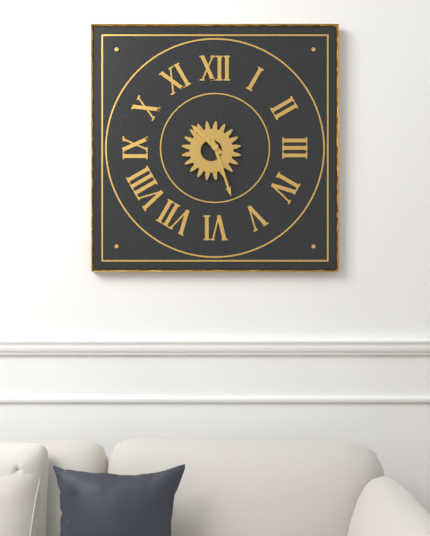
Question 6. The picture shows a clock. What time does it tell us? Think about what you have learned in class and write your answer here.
10:27
